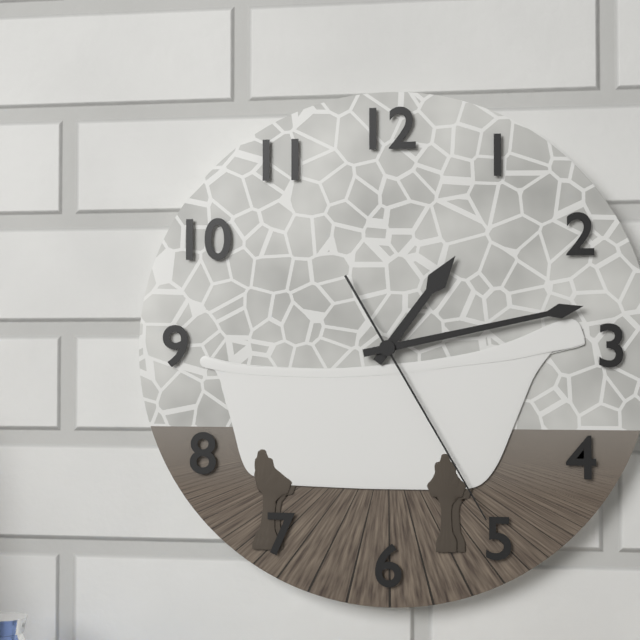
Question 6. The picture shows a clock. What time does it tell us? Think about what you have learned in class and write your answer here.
1:13:25
